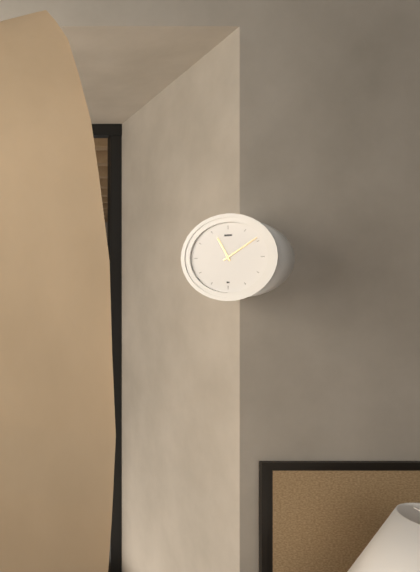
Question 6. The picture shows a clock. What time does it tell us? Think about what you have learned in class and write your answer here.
11:09
